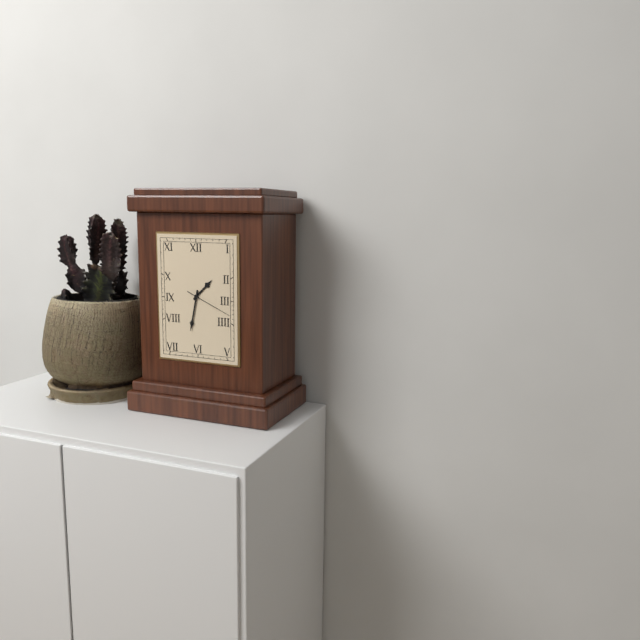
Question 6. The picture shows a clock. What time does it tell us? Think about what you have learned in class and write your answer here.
1:32
